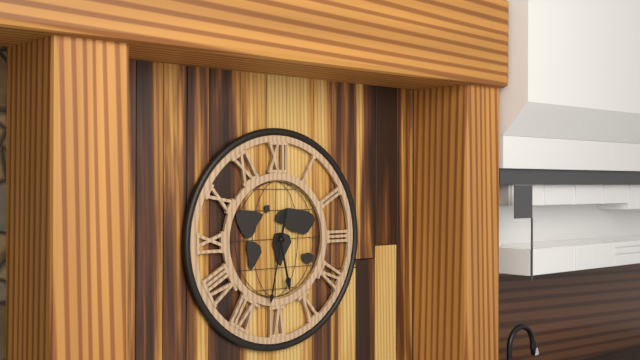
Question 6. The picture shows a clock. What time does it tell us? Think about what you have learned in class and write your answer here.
5:32
